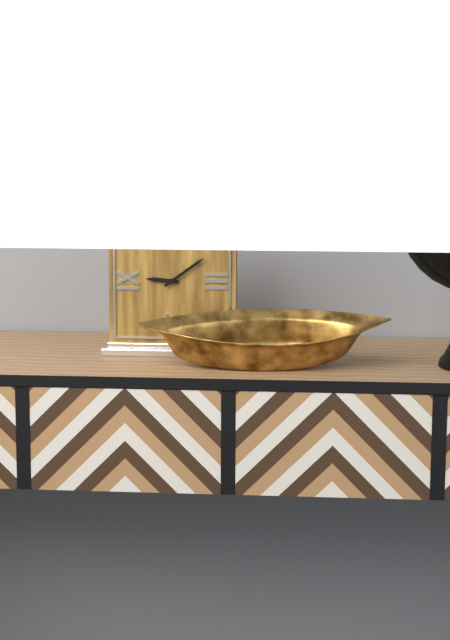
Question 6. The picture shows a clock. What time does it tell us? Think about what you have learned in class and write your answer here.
9:09
